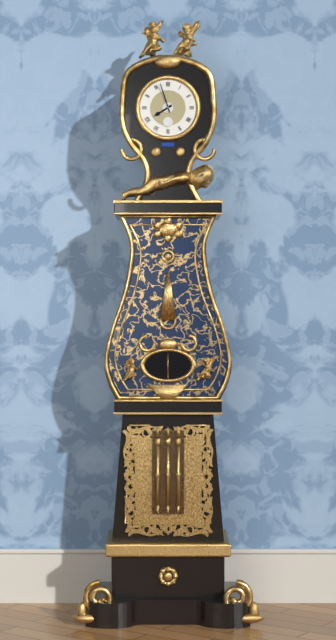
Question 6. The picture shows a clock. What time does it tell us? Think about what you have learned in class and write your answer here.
7:57
